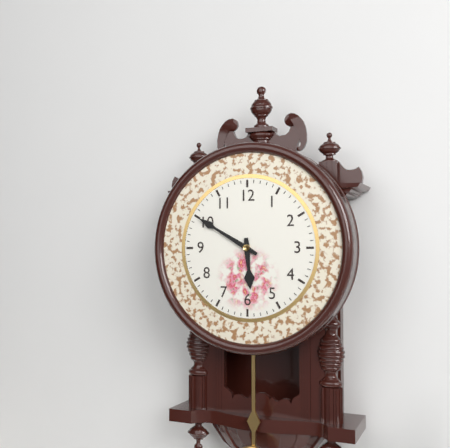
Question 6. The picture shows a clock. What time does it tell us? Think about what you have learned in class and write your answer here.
5:50
